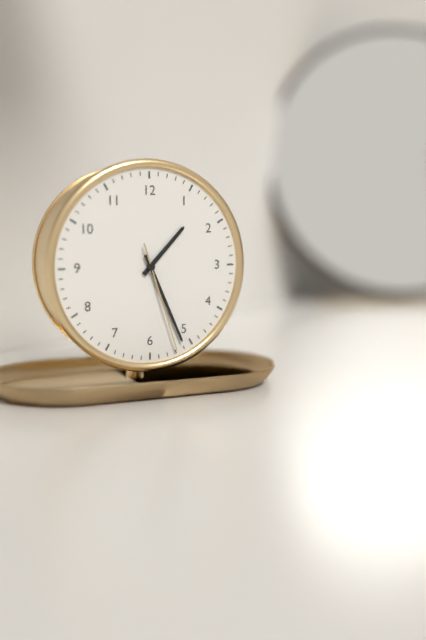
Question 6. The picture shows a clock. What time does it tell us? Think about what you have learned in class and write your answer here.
1:26:27
